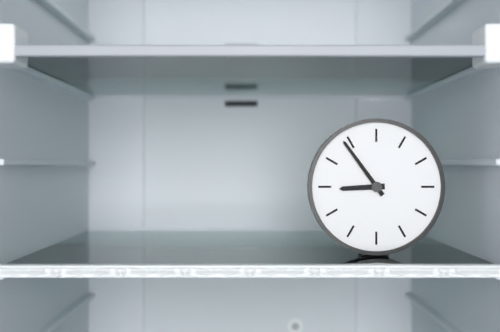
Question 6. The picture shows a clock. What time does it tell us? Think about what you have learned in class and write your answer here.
8:54
